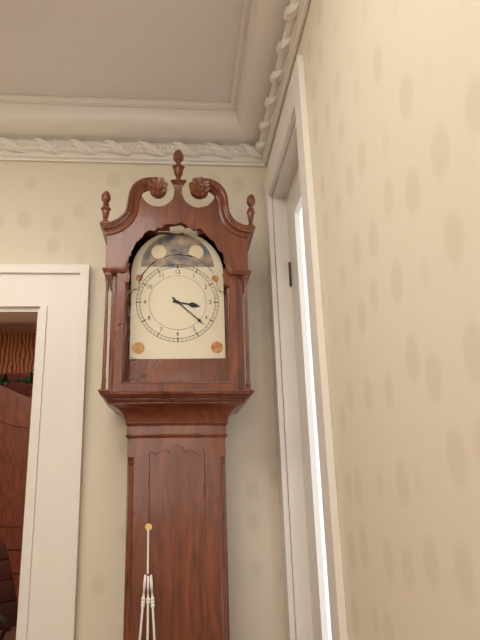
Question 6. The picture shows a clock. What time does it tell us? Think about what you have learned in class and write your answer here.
3:22
